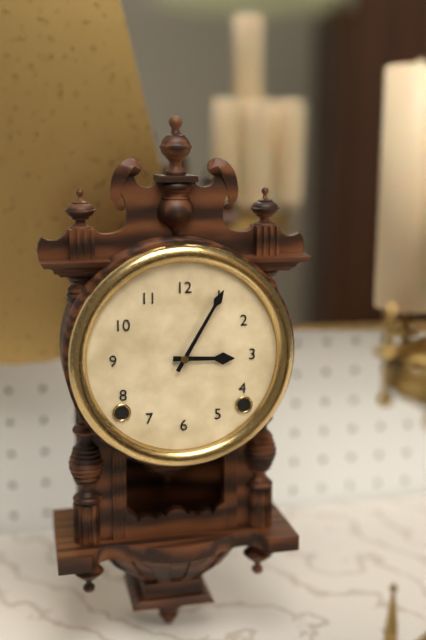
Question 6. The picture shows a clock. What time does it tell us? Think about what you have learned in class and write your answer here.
3:05
